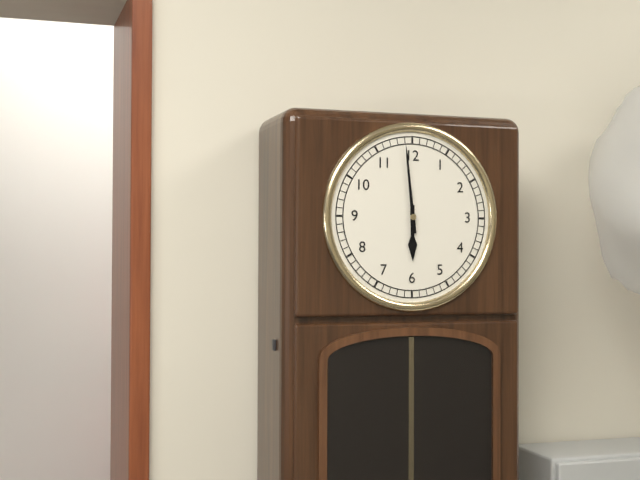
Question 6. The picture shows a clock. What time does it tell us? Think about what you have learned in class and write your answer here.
5:59
